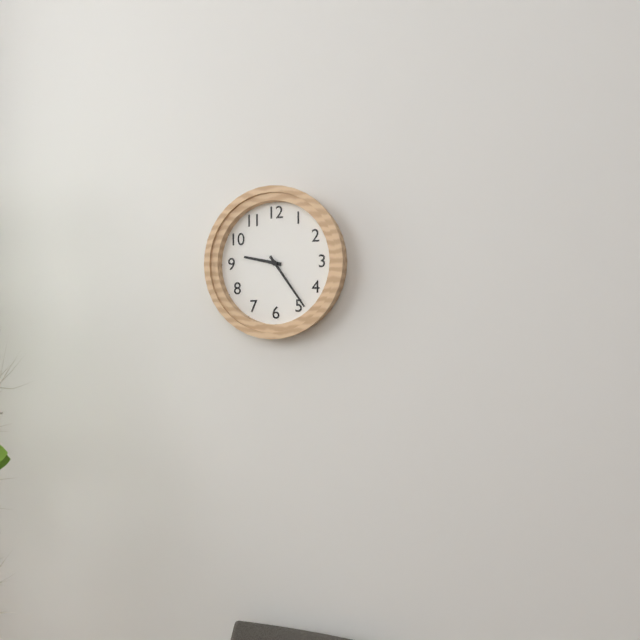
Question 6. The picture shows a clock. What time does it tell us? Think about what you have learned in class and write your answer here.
9:24
